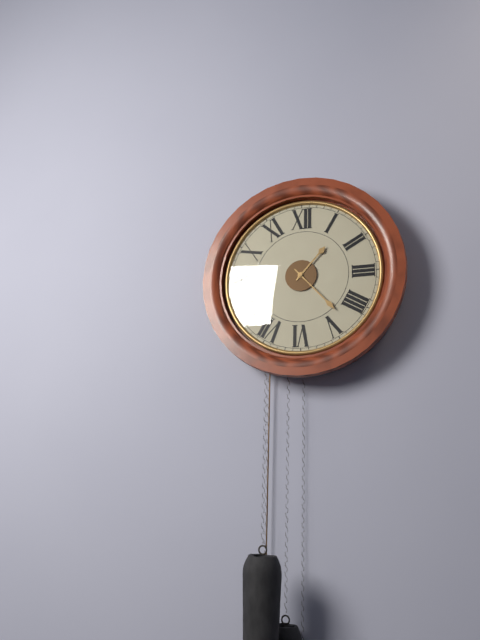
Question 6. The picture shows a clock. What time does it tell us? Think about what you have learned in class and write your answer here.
1:23
